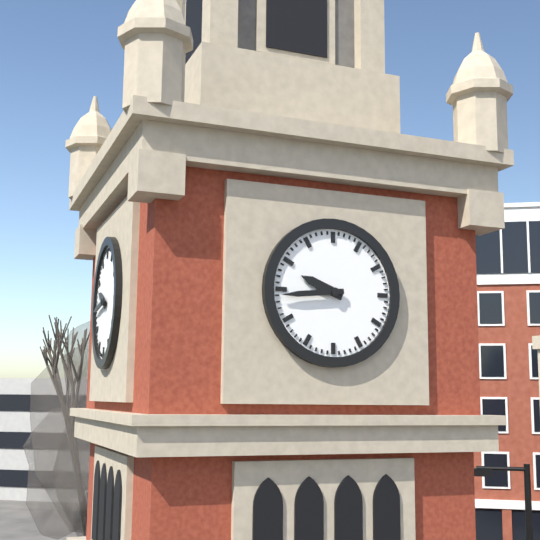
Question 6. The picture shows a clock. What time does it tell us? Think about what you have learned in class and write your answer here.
9:44
